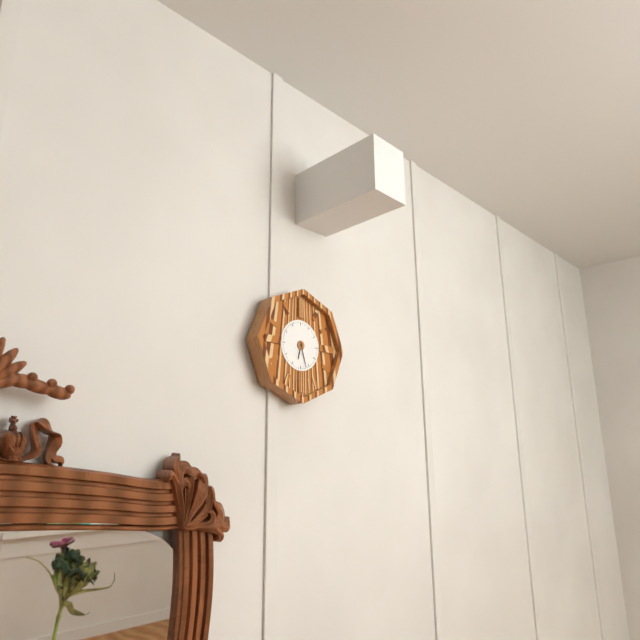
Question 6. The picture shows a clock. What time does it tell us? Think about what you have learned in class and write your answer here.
6:27
